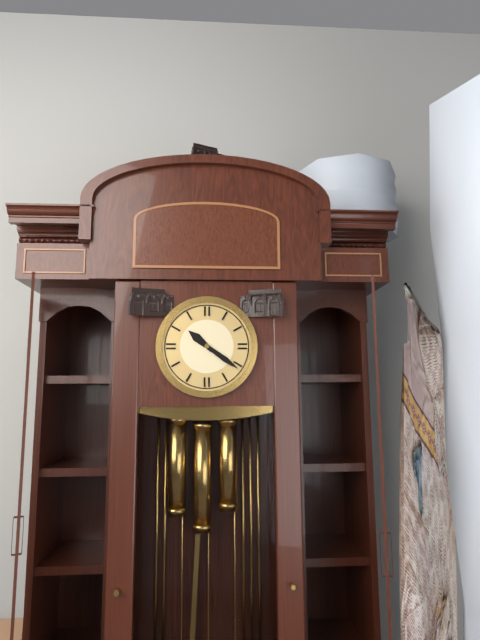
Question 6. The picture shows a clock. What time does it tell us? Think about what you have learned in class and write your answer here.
10:21
